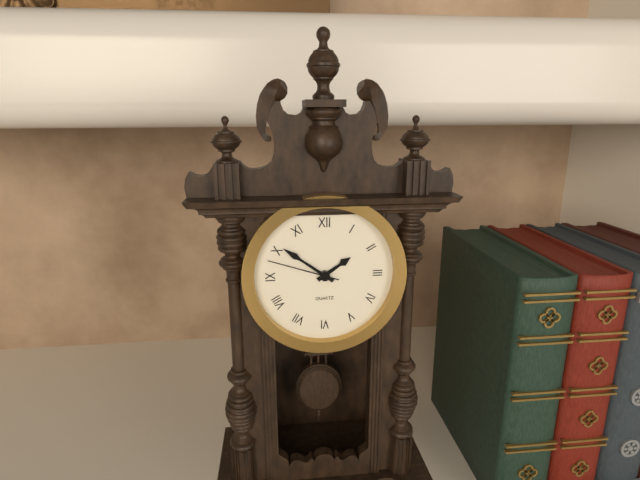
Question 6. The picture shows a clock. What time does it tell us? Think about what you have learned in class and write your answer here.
1:51:48
